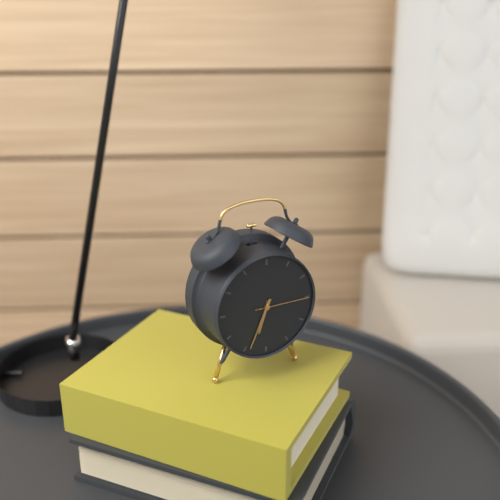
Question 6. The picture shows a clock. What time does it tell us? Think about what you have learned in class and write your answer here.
6:34:15
